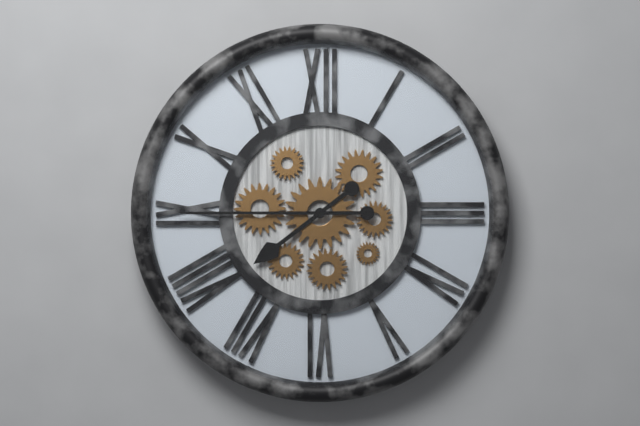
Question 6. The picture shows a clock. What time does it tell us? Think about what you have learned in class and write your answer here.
7:45
